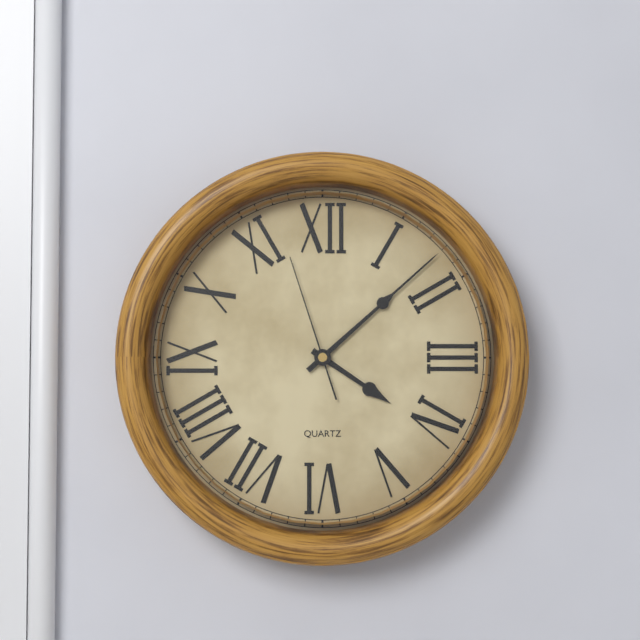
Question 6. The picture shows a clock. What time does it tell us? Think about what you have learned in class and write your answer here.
4:08:57
